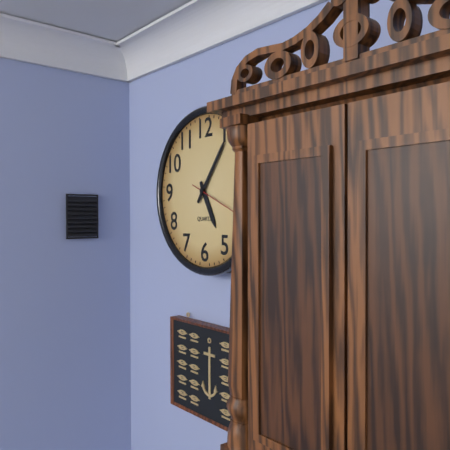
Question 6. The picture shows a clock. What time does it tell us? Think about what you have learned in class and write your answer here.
5:06:19
